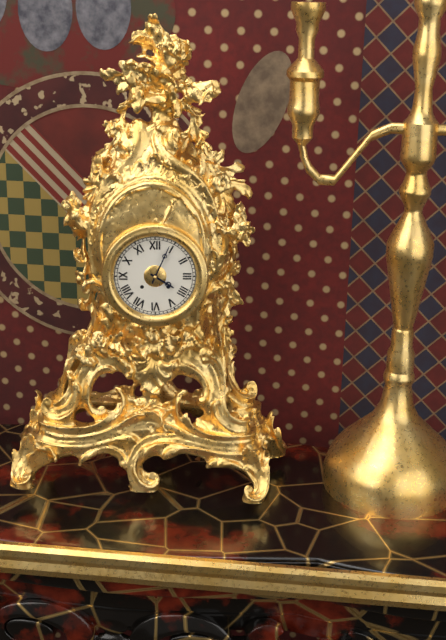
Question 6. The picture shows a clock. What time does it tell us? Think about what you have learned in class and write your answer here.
4:04
